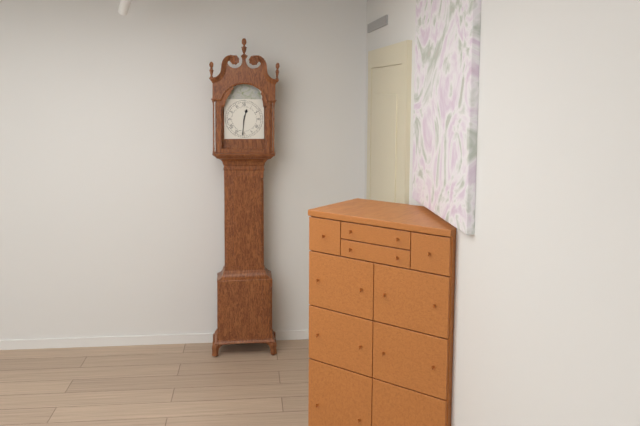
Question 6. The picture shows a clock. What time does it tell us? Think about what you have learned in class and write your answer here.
12:31
